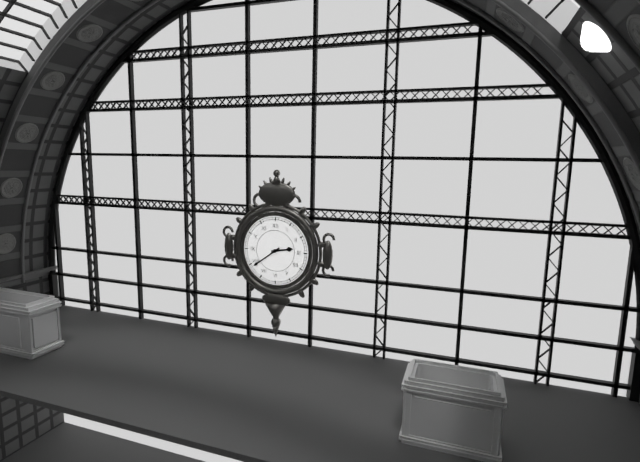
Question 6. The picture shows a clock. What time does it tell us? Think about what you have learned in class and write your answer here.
2:39
